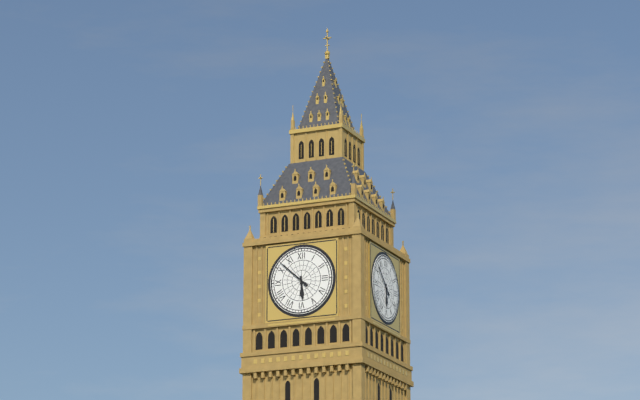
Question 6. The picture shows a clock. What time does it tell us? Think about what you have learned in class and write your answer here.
5:52
